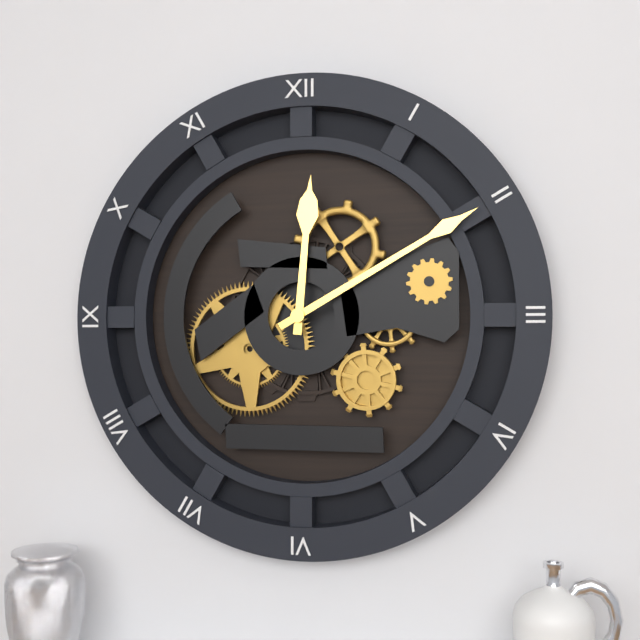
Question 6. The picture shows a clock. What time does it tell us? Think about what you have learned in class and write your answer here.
12:10
